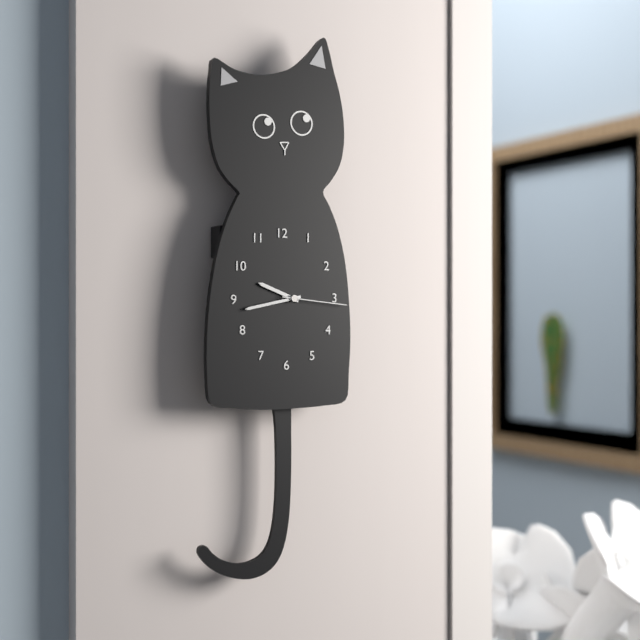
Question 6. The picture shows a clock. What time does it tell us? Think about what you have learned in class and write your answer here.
9:43:16
